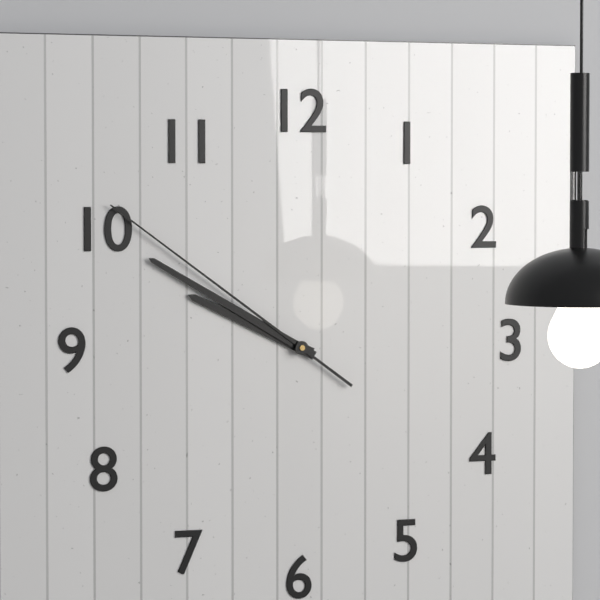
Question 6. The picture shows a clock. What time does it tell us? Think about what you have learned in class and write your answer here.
9:50:51
